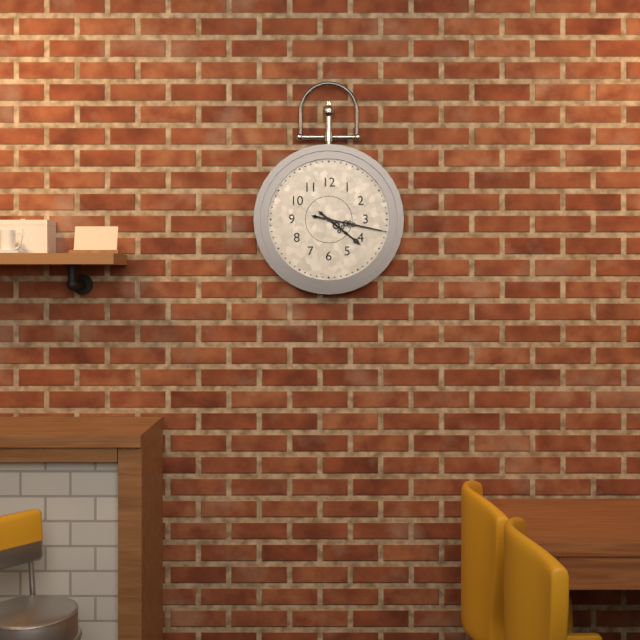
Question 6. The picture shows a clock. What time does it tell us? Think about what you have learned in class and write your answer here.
4:17
